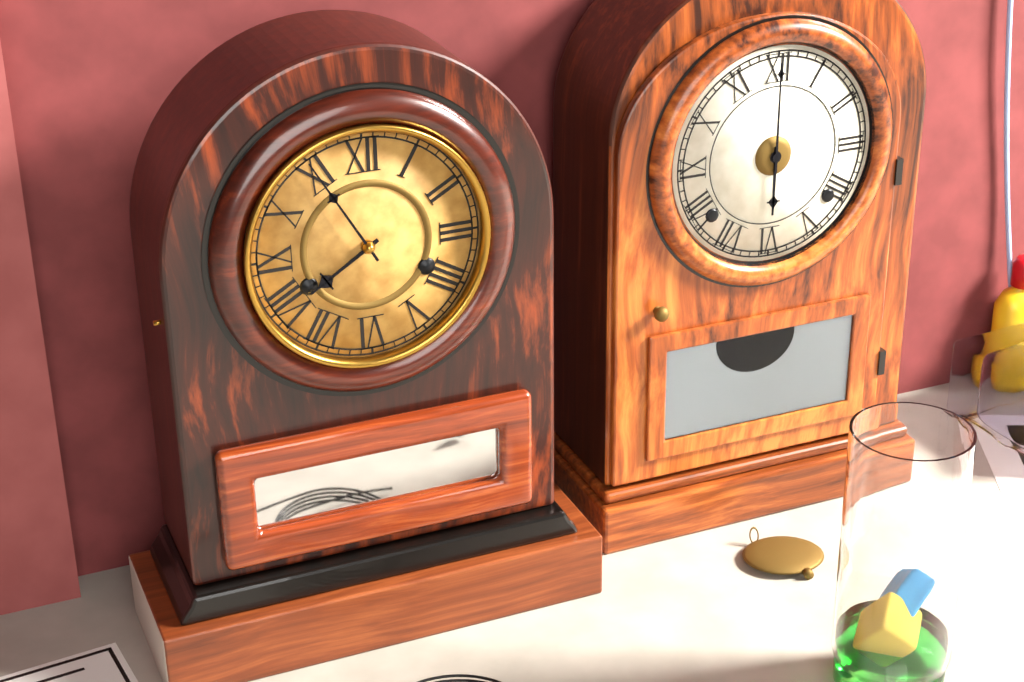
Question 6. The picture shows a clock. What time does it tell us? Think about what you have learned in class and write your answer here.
7:55
